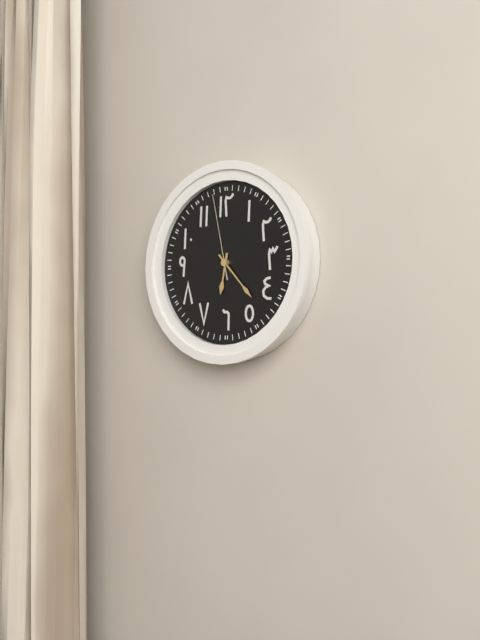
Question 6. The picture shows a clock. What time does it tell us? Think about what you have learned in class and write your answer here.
6:23:58
